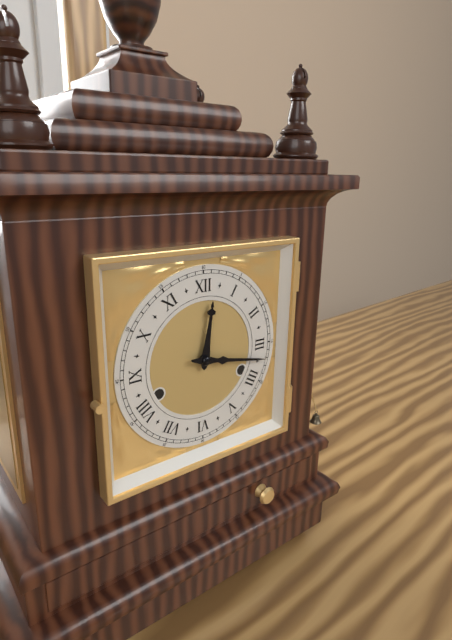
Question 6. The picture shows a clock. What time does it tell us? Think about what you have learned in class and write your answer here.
12:17
